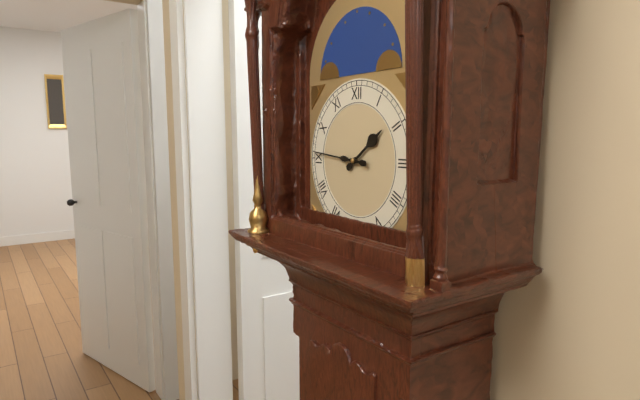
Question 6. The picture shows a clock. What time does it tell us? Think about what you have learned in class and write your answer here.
1:46
